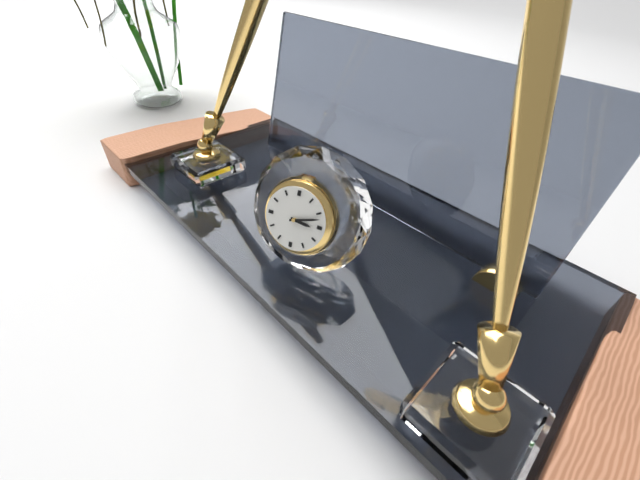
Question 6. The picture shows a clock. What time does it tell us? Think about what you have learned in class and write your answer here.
3:12
